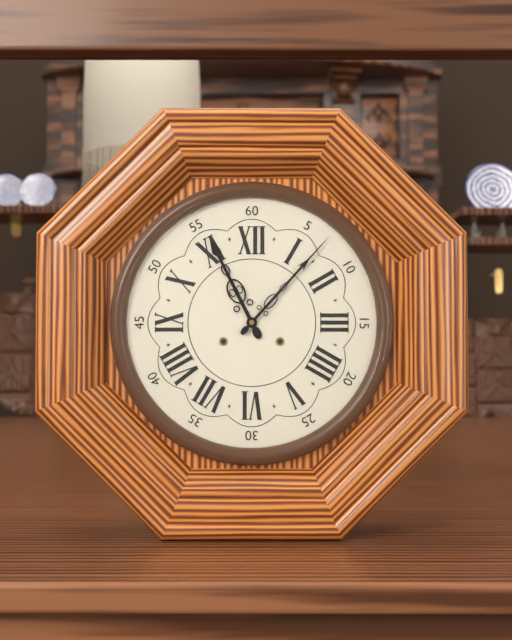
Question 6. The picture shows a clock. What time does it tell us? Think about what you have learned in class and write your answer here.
11:07
